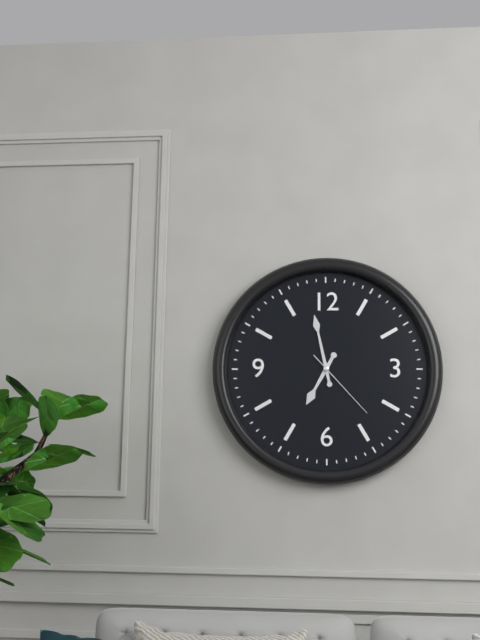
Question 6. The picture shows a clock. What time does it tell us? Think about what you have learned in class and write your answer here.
6:58:23
